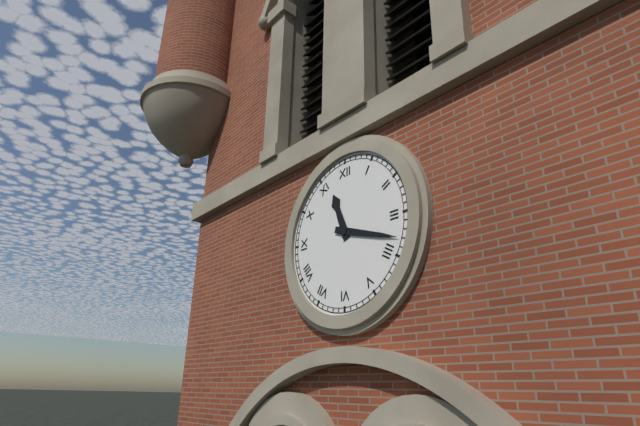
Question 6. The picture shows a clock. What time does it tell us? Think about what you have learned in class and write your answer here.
11:18
